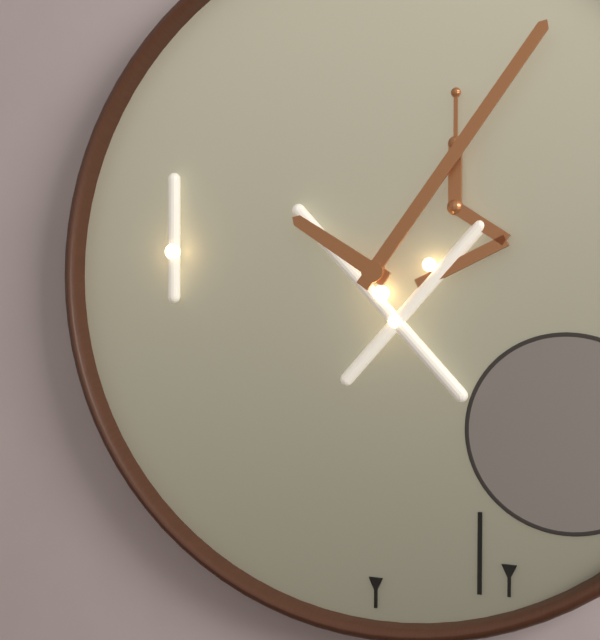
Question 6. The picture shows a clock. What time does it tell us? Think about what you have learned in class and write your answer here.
10:06
